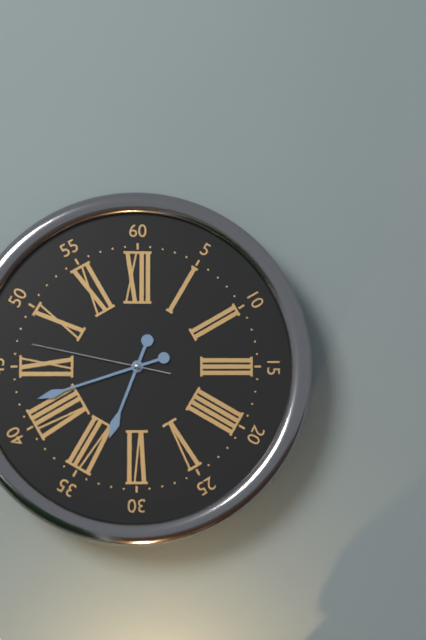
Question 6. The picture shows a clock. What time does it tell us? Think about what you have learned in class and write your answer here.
6:42:47
